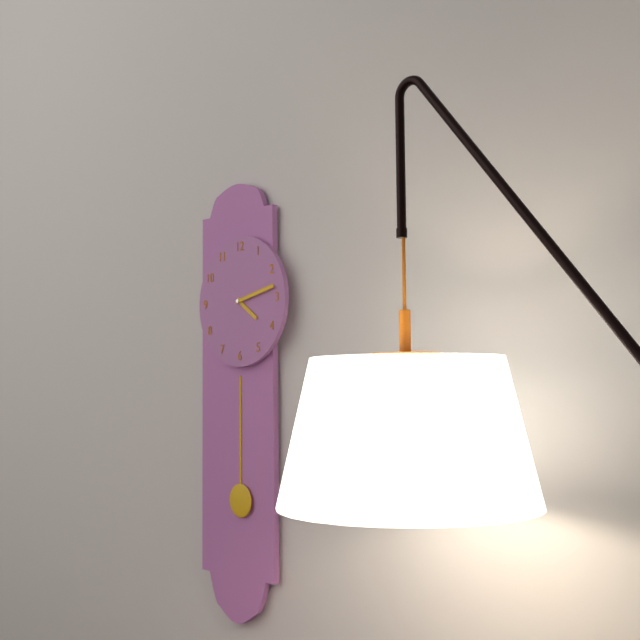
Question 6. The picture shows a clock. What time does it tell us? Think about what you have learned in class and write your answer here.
4:13
